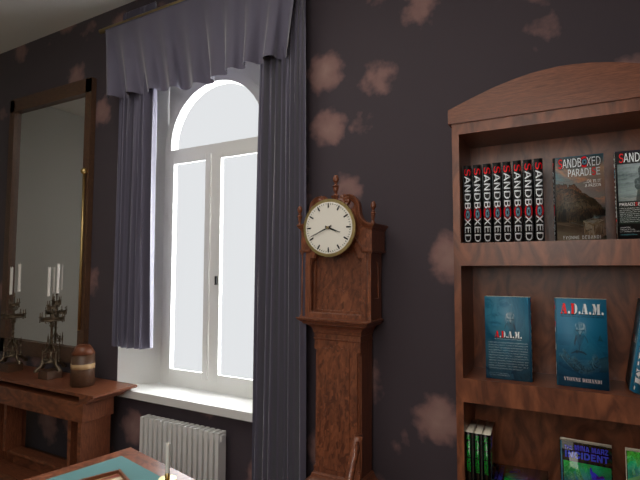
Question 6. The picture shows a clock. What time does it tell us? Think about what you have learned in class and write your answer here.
3:41
